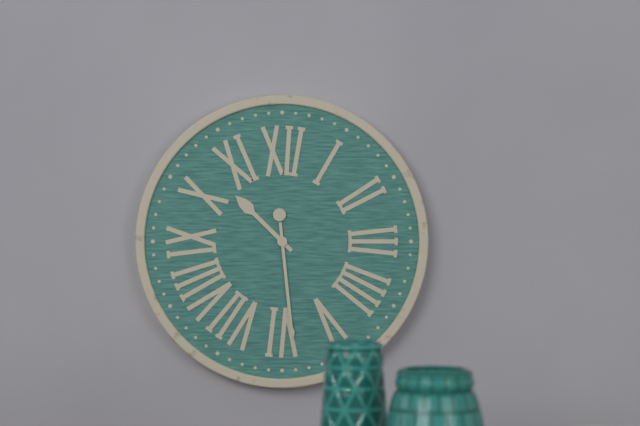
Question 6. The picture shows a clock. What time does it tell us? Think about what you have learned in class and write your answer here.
10:29
